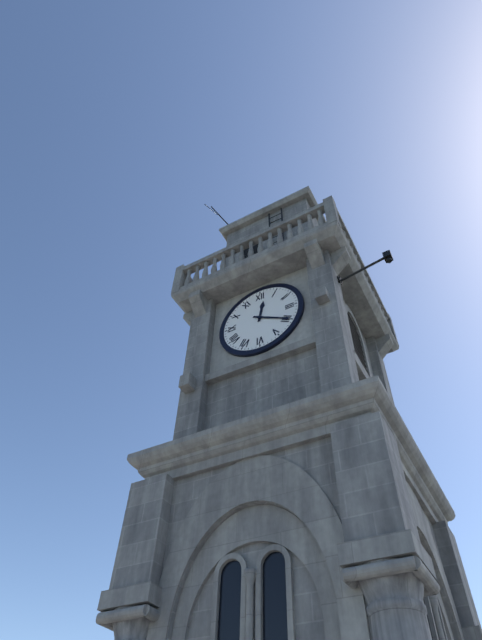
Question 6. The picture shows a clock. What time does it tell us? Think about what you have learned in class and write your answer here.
12:20
